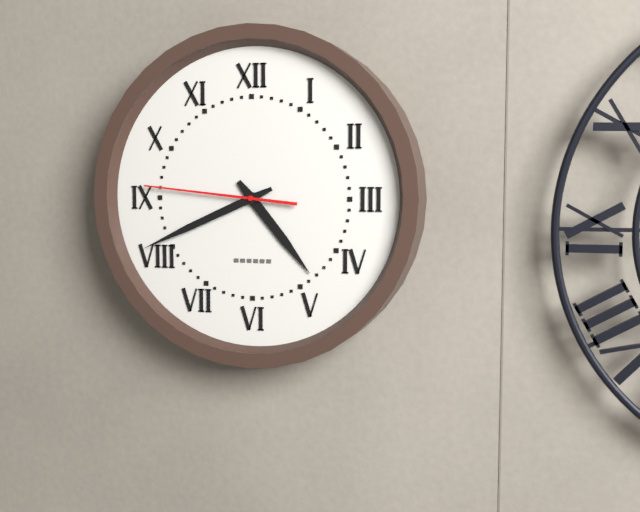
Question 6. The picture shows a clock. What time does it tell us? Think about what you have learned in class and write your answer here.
4:41:46
